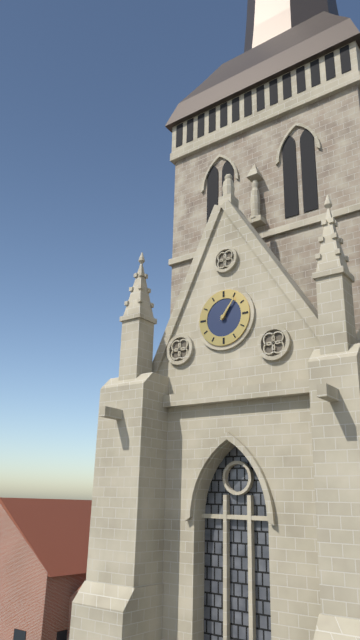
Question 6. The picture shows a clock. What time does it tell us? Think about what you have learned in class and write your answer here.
1:06
